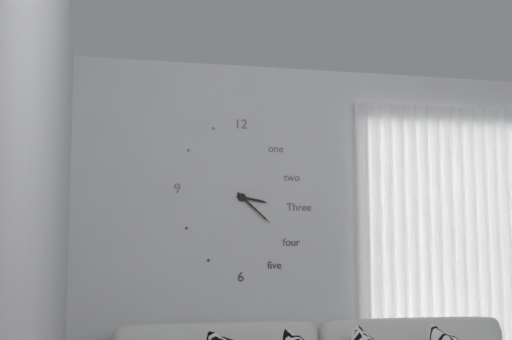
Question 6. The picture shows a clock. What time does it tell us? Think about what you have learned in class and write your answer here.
3:22
